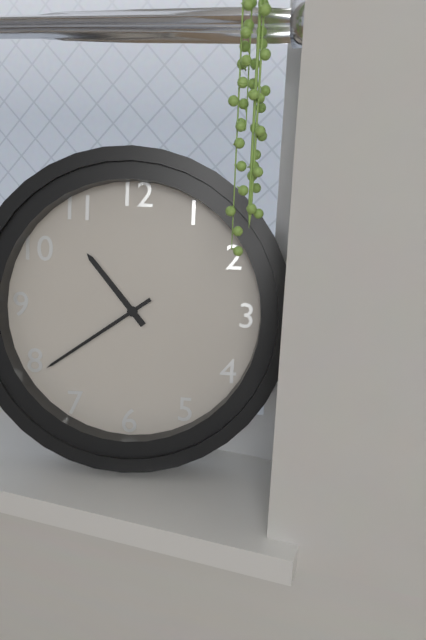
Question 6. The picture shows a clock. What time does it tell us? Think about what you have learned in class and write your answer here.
10:39
